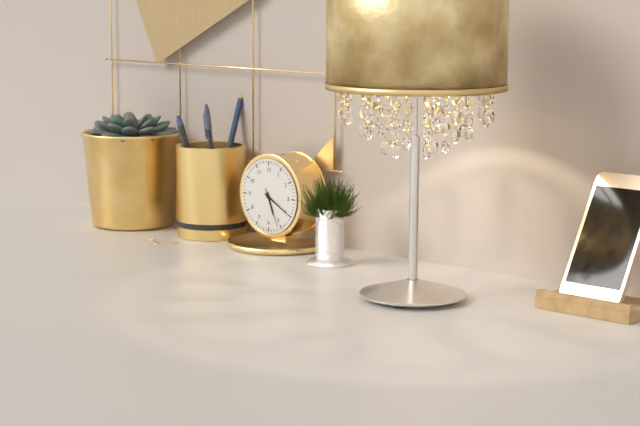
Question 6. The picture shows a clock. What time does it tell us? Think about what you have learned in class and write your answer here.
5:20
